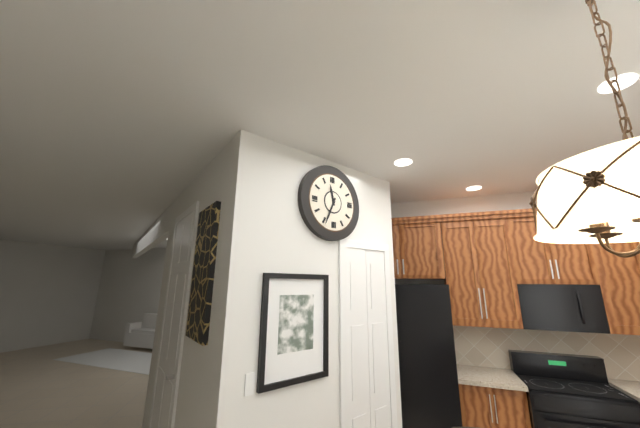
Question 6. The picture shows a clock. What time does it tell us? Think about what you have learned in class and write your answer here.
11:34
